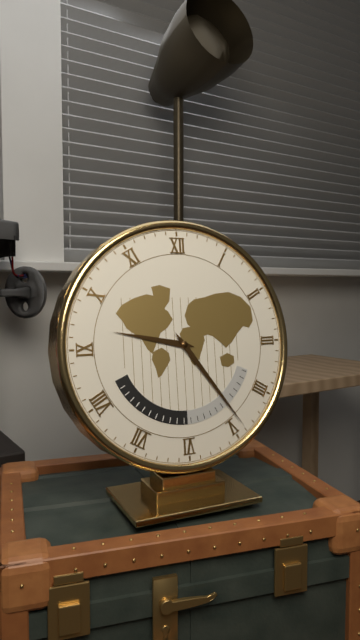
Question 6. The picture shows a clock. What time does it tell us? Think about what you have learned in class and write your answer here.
9:24
